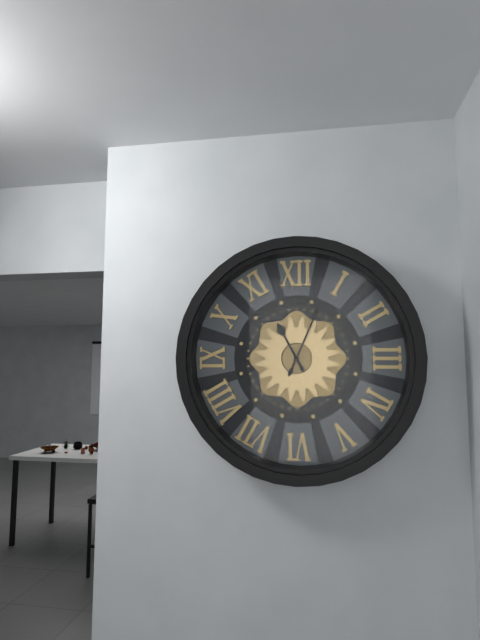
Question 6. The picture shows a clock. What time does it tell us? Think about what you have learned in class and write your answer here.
11:04
